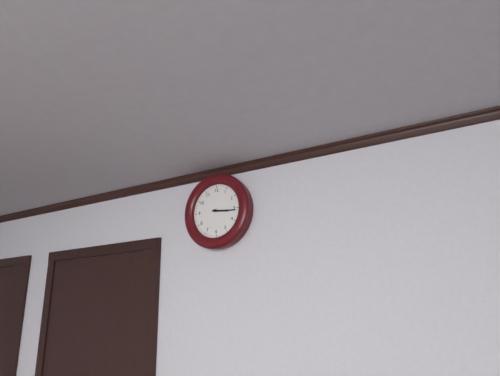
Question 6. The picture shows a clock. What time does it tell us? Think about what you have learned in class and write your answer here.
3:16
